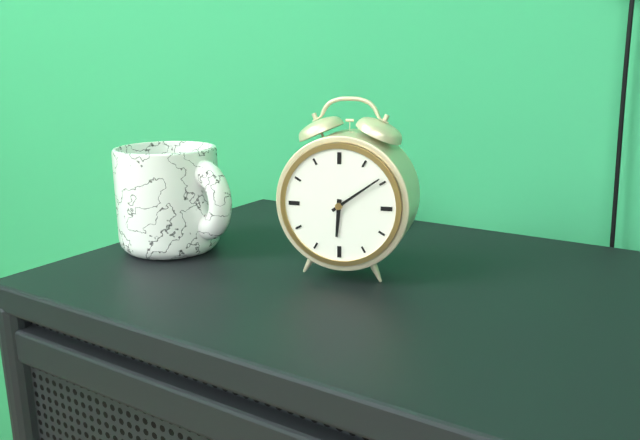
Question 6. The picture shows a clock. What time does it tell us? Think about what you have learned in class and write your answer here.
6:09
